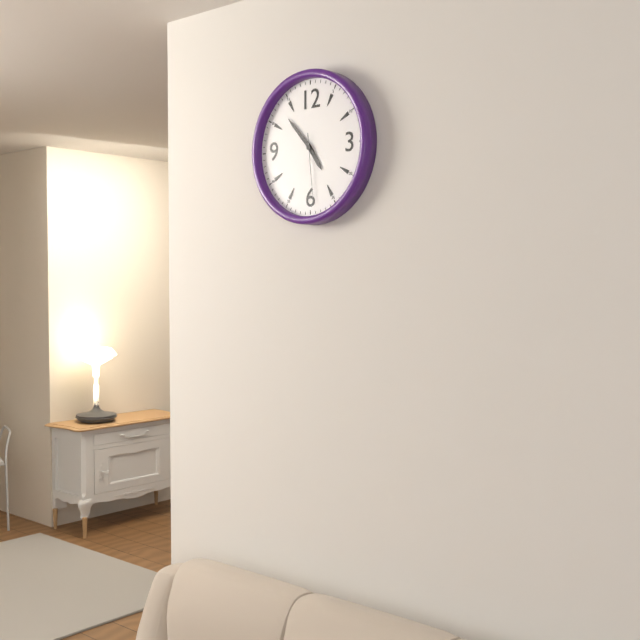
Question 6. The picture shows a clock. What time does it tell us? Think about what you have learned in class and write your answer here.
4:53:29
